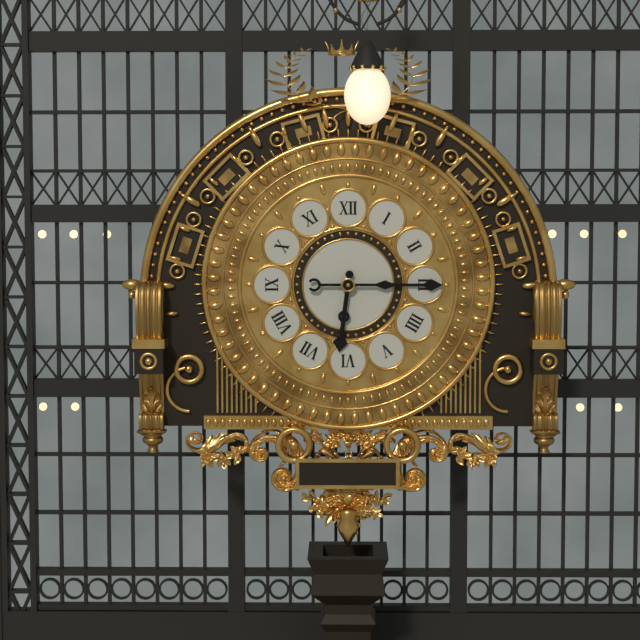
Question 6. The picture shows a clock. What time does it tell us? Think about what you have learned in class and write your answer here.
6:15
